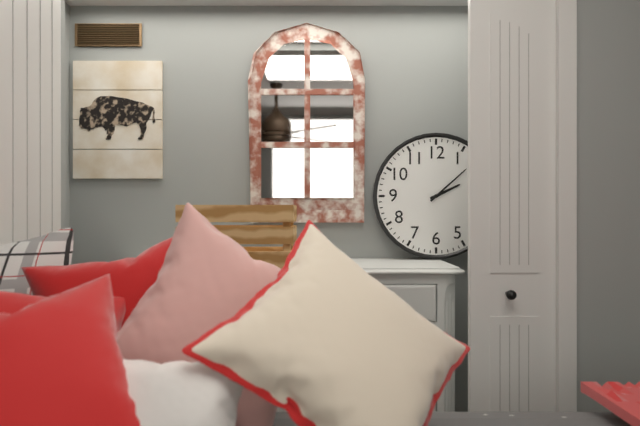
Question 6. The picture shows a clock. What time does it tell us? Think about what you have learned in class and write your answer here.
2:08
